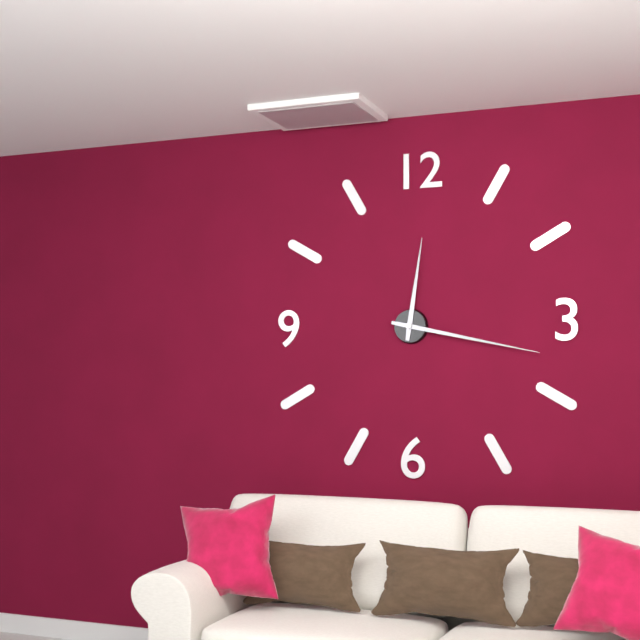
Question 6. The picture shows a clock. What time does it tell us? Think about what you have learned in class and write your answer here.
12:17
